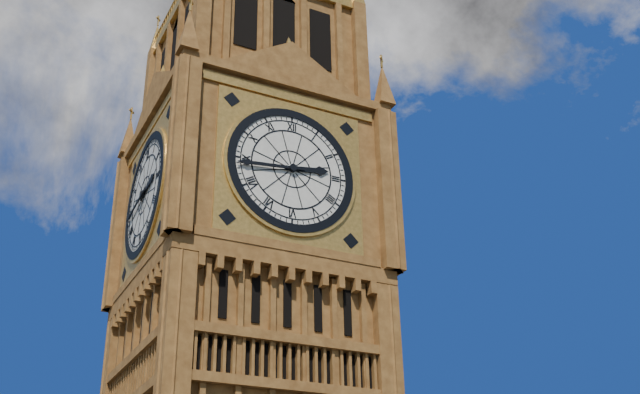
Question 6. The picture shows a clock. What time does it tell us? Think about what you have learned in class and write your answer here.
2:44
